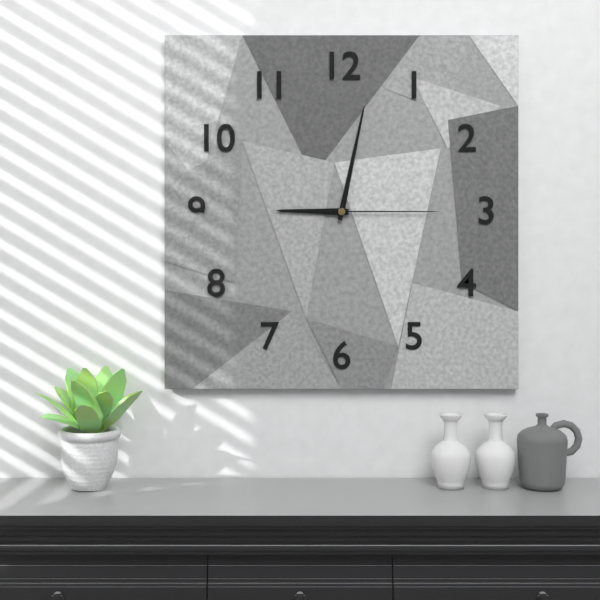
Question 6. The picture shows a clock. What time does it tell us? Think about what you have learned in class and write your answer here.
9:02:15
